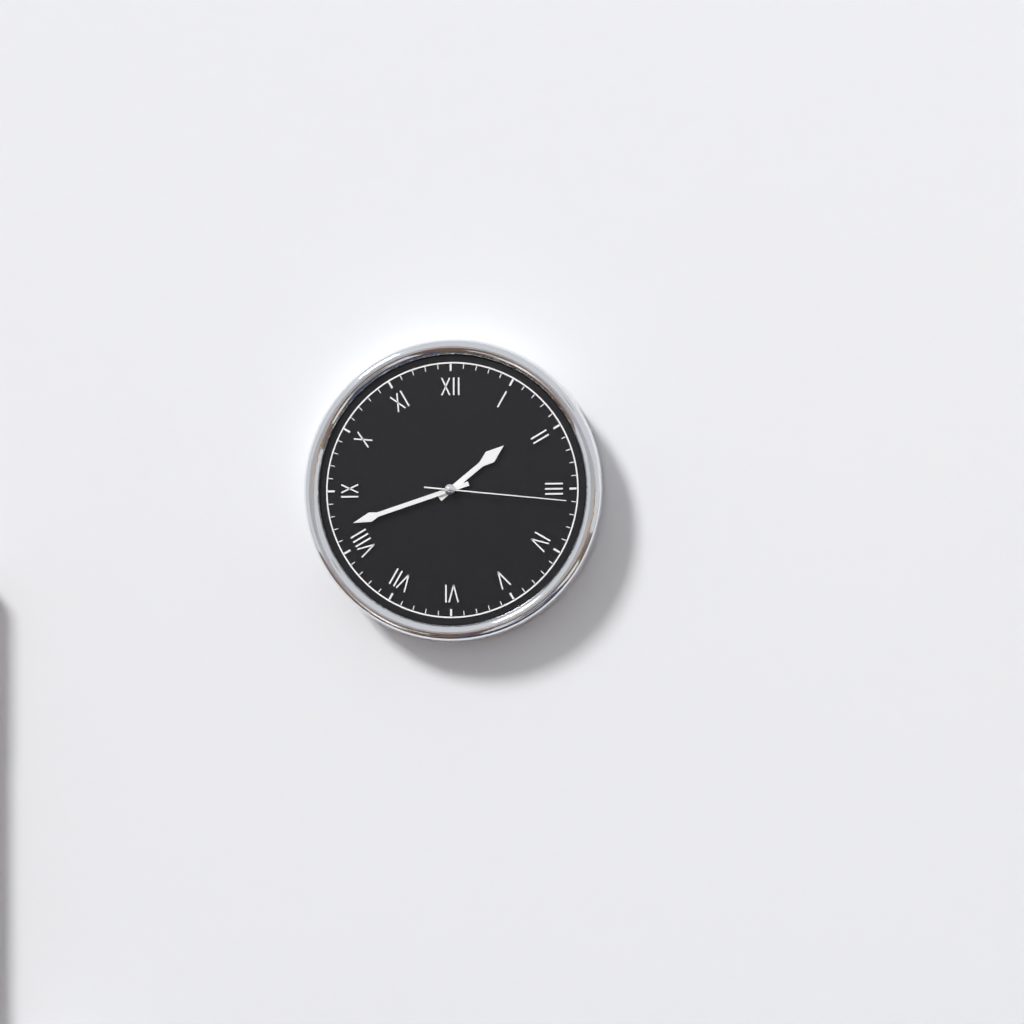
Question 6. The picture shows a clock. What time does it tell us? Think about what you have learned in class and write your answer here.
1:42:16
